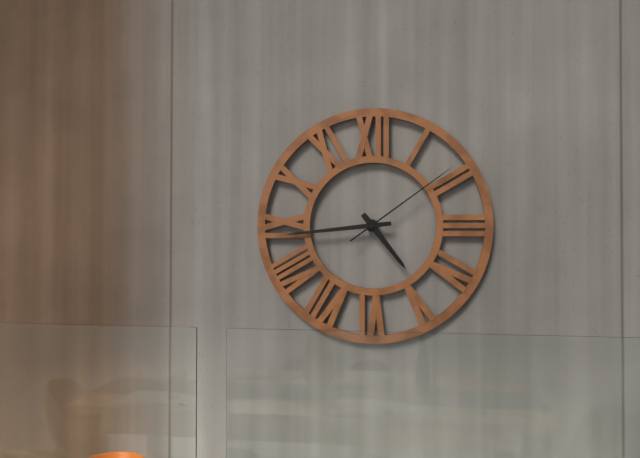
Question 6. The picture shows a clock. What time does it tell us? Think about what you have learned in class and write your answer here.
4:44:09
